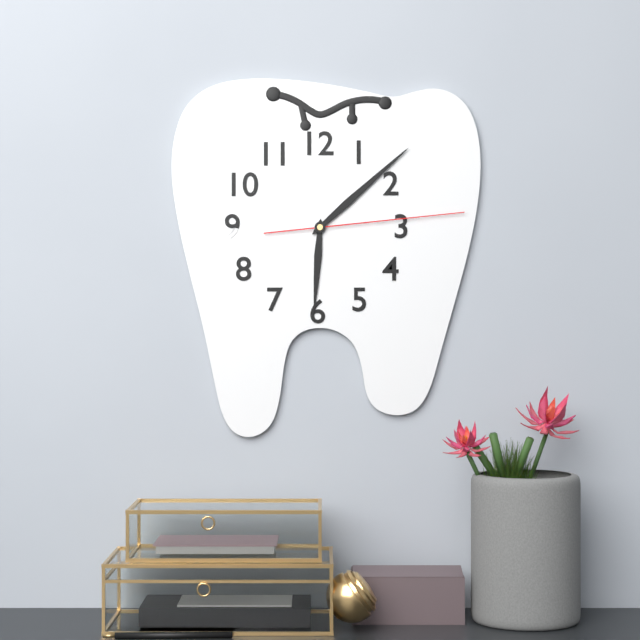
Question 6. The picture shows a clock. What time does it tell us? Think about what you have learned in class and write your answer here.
6:08:14
